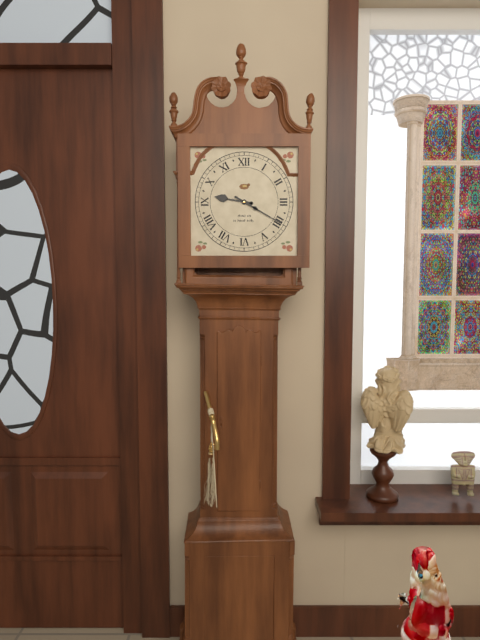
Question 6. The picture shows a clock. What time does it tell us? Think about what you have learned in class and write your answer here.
9:20
